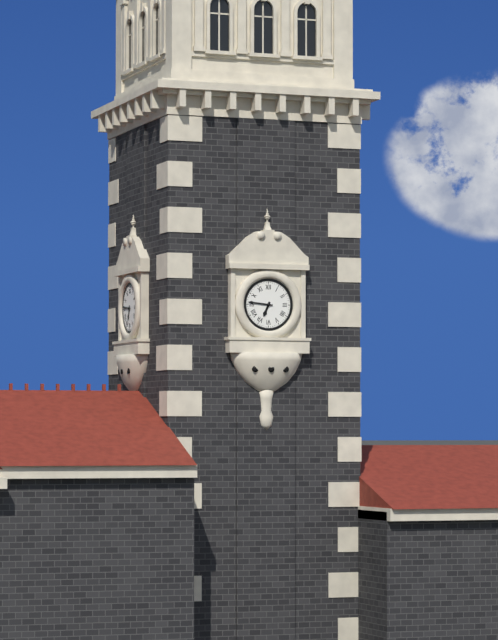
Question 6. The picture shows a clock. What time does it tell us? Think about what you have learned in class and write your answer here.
6:46
